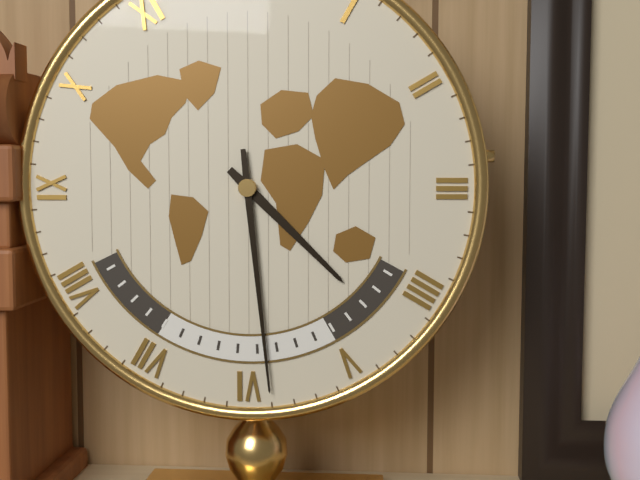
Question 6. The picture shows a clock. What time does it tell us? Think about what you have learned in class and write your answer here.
4:29
